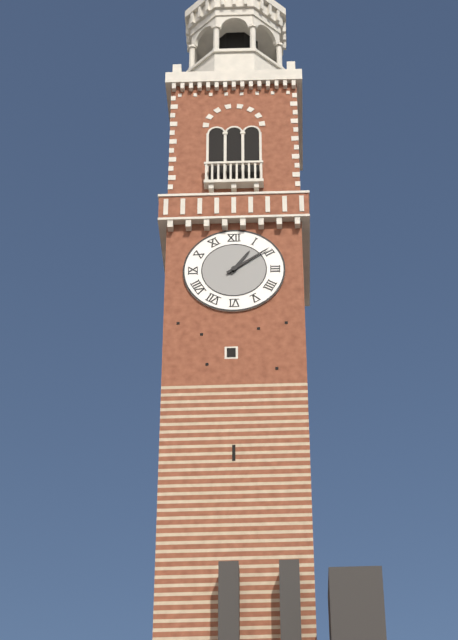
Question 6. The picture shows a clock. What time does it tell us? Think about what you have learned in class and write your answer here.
1:09
